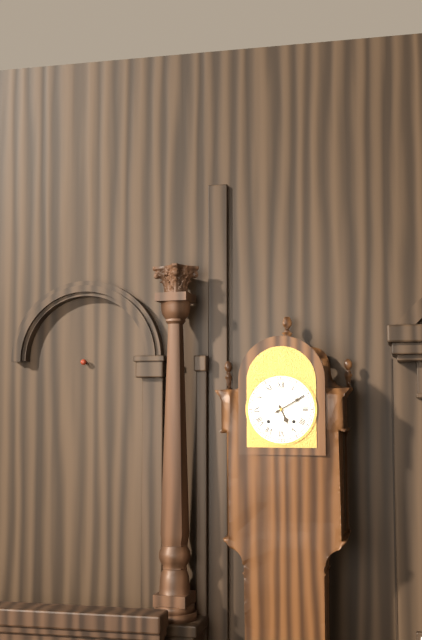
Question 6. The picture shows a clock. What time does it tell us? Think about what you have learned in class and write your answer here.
5:10
